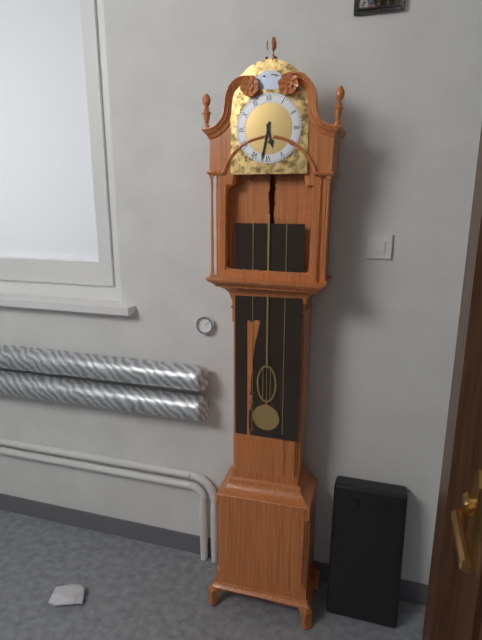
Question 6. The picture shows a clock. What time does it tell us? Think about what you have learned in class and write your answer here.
5:32
